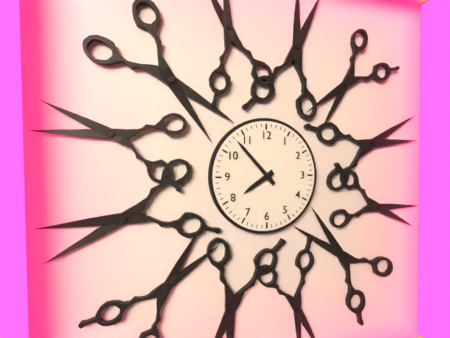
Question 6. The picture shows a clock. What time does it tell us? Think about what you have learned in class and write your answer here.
7:53
